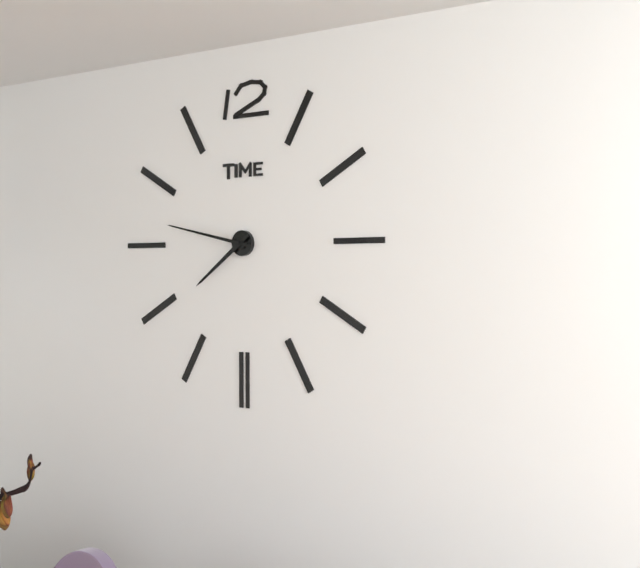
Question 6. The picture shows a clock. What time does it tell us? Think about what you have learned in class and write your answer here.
7:47
